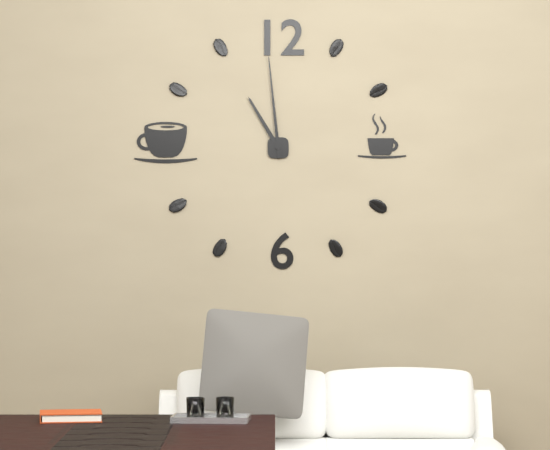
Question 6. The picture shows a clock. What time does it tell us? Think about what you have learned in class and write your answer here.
10:59
